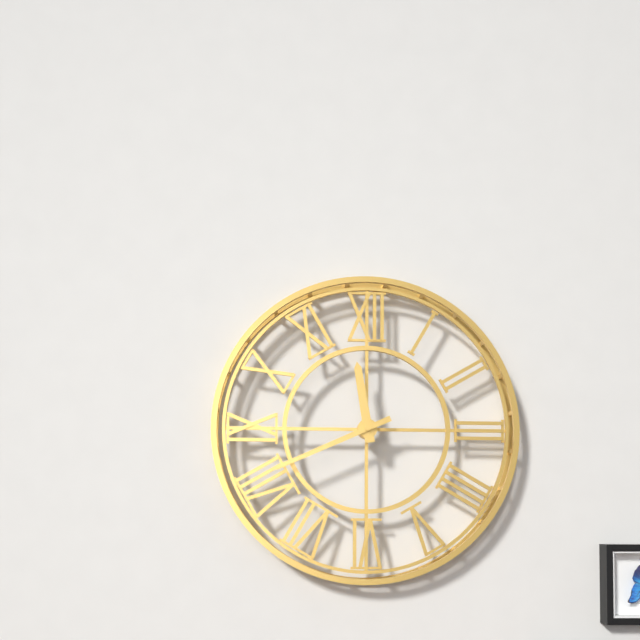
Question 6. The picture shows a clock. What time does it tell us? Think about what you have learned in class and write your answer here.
11:41
